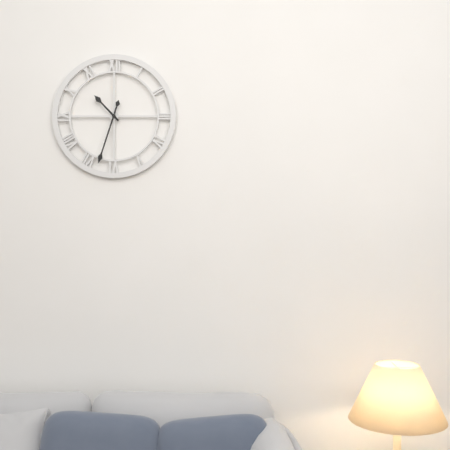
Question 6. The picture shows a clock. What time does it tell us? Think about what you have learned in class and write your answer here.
10:33
